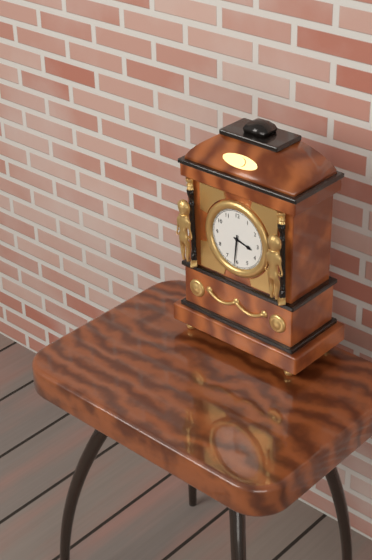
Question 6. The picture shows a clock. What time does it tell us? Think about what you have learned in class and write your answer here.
3:31
